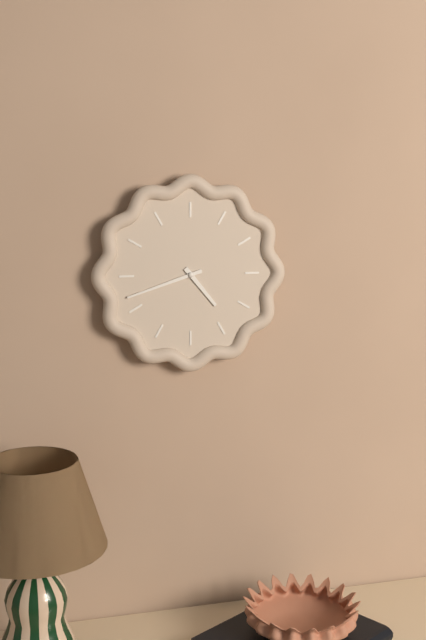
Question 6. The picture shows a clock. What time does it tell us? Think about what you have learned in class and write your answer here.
4:42
